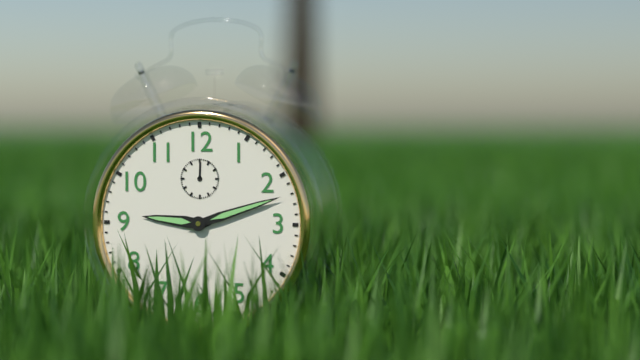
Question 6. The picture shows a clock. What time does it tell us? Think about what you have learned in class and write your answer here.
9:12
